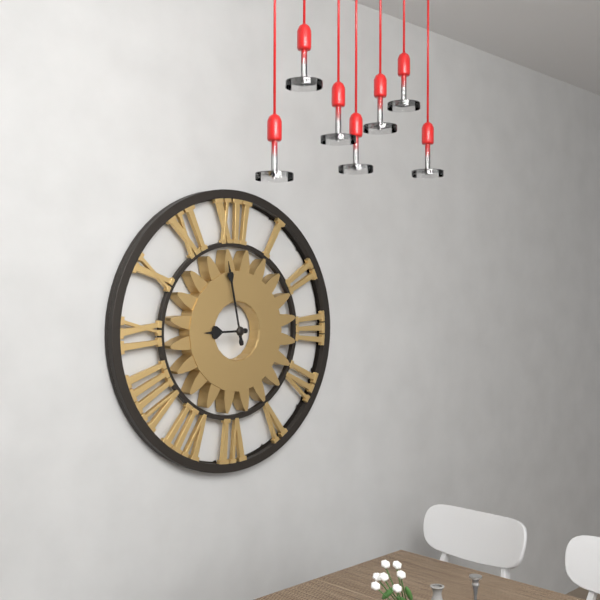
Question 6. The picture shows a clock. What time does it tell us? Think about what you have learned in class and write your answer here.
8:58
